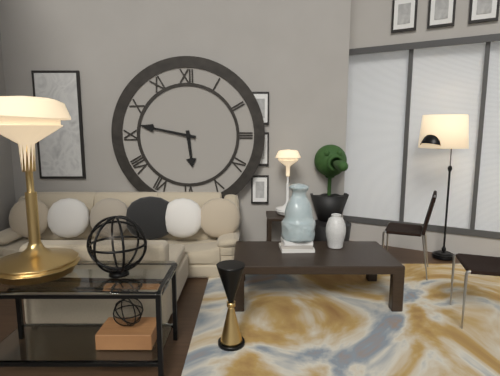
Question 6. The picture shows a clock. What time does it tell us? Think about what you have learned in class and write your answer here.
5:47
